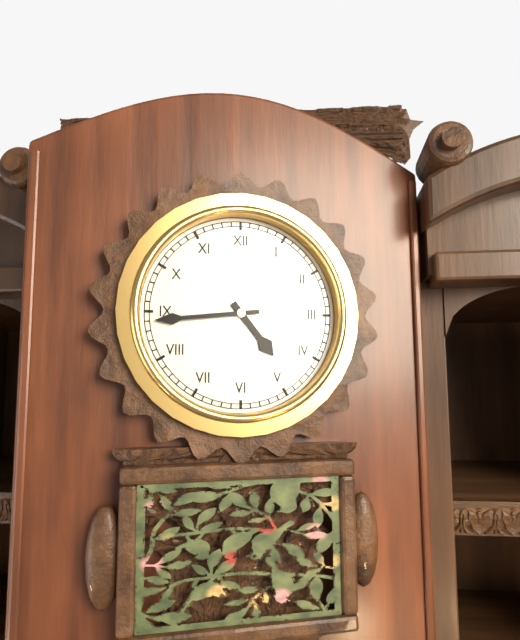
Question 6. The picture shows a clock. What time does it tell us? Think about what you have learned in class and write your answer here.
4:44
